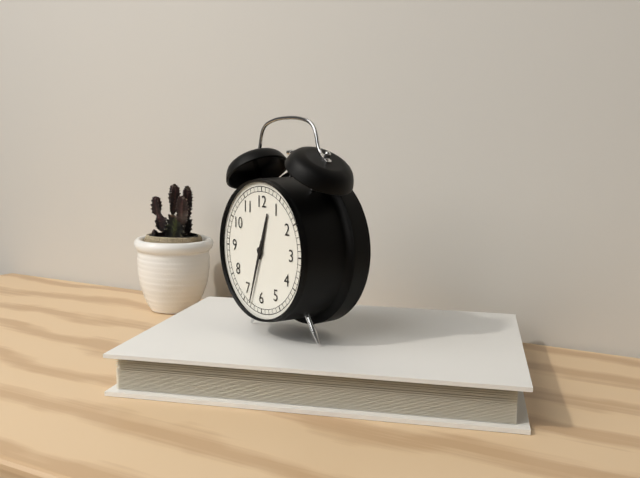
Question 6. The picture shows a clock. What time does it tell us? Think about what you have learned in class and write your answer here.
12:33
